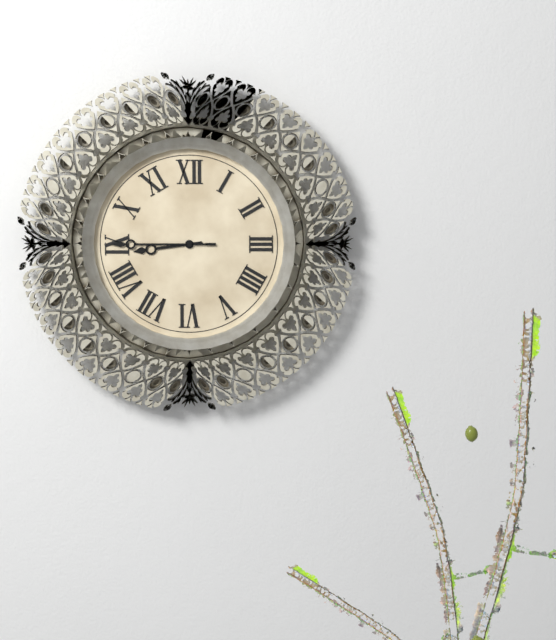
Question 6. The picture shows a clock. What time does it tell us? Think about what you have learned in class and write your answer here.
8:45
